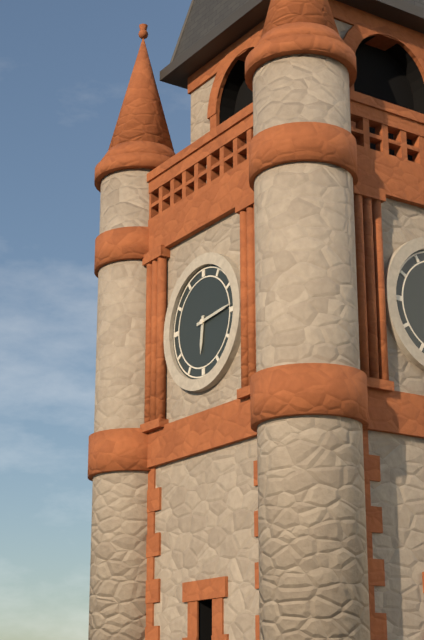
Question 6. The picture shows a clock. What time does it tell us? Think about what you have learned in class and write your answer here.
6:14
